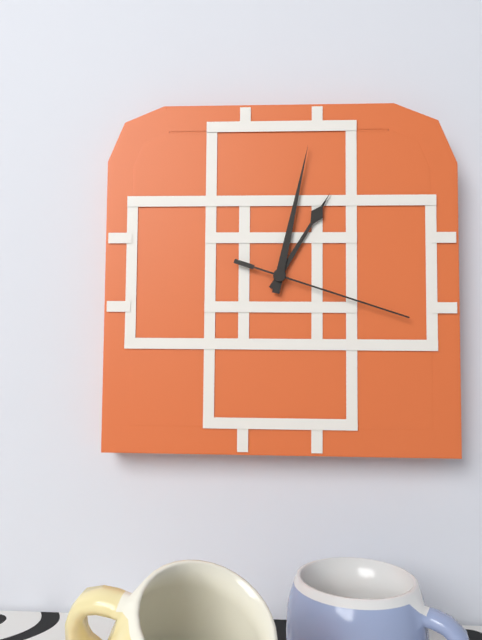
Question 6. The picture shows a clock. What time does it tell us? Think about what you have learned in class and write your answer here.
1:02:18
